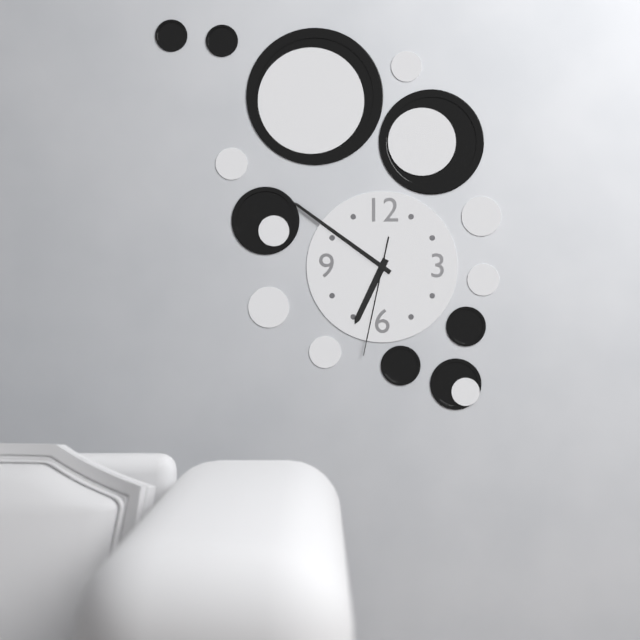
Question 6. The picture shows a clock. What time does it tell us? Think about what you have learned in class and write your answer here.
6:51:32
